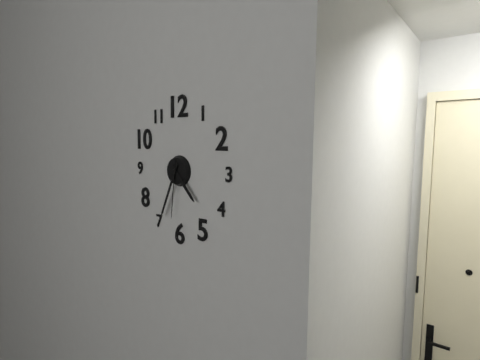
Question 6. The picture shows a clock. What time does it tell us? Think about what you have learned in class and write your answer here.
4:34:31
